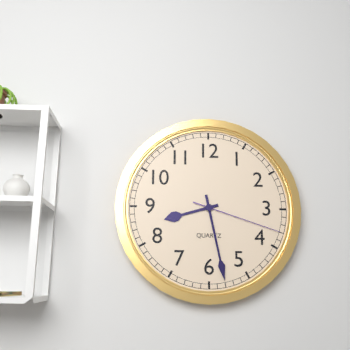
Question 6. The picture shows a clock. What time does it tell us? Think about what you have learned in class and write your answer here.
8:28:18
